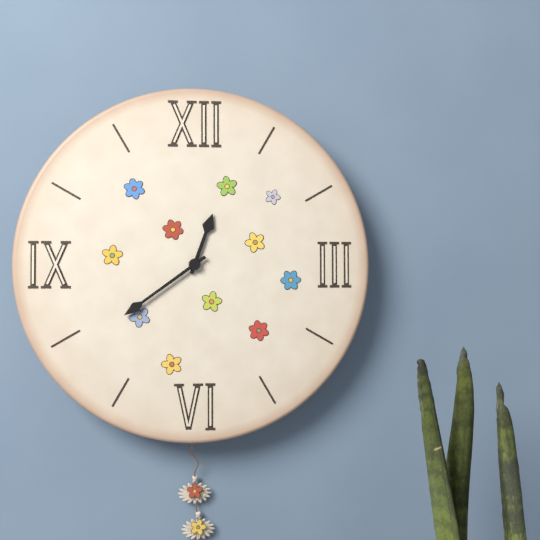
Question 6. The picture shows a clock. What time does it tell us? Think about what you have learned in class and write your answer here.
12:39
